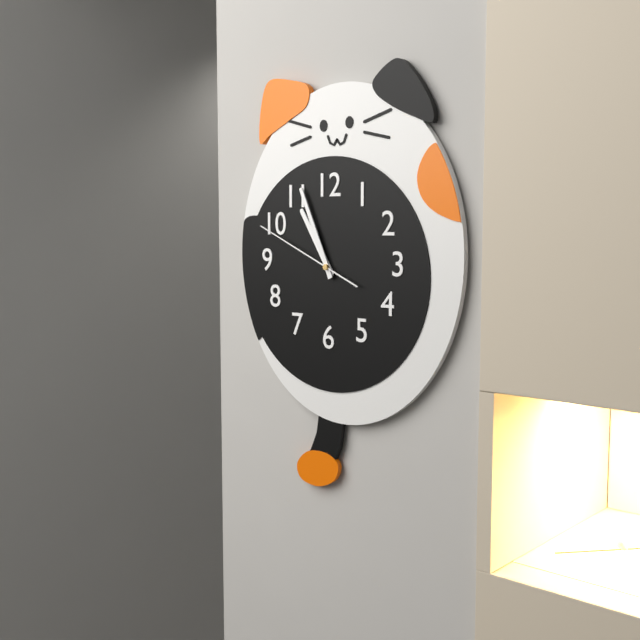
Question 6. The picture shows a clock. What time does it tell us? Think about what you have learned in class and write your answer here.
10:56:49
